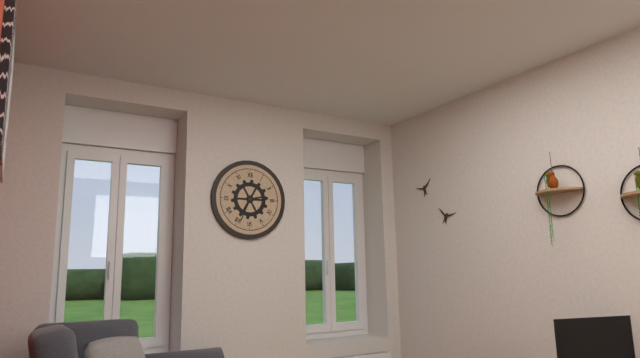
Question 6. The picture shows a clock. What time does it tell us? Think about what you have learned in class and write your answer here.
2:34
